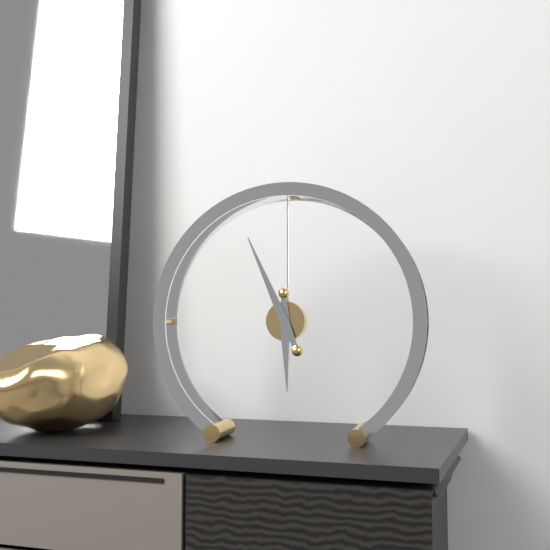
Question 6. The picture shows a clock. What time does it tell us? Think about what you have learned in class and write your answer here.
5:56
